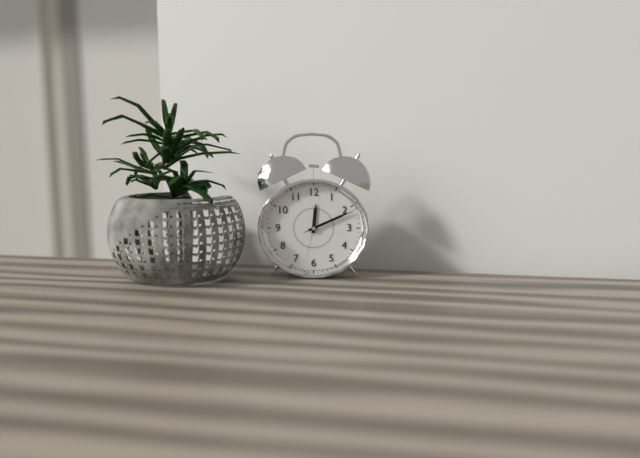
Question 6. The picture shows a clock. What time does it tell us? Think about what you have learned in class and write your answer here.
12:11:11
